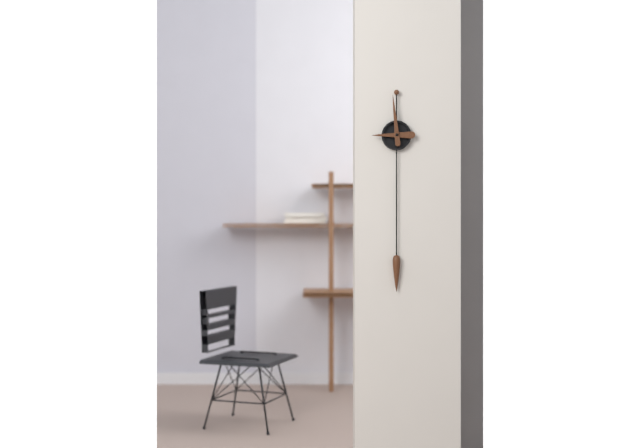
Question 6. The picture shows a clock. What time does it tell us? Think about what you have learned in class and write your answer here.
8:59
